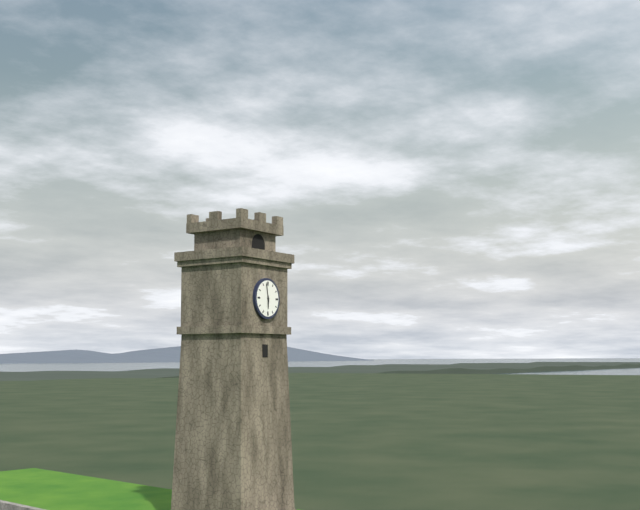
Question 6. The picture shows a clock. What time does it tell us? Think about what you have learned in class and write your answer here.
5:58
